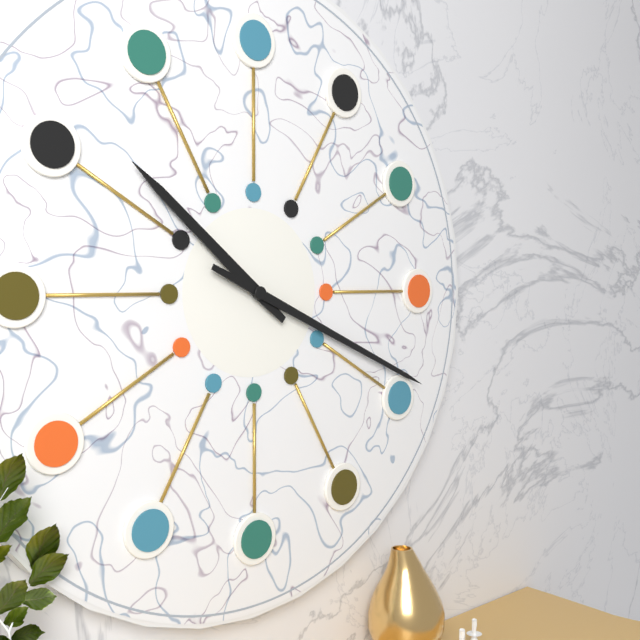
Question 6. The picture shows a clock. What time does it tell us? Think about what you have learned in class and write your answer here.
10:19
